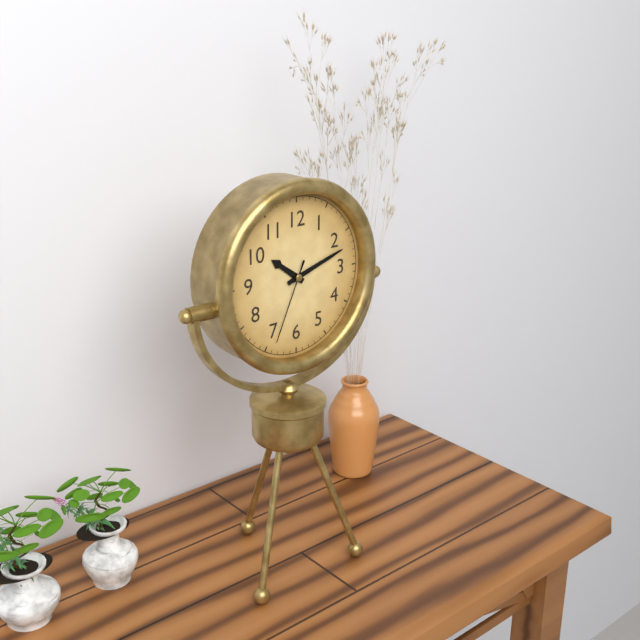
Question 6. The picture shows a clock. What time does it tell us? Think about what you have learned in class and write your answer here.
10:12:34
